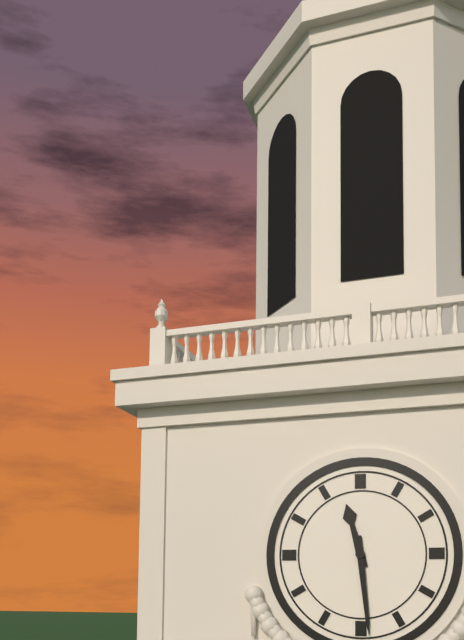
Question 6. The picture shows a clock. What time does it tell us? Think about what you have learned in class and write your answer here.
11:29
